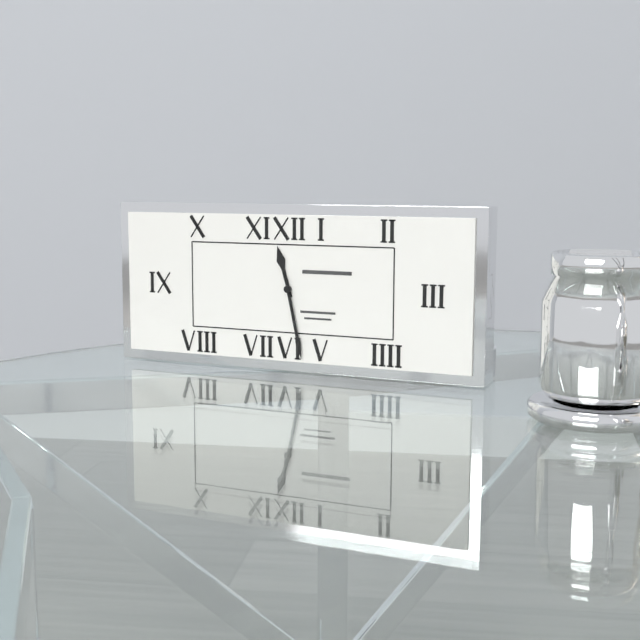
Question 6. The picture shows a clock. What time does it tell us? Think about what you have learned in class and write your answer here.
11:28
